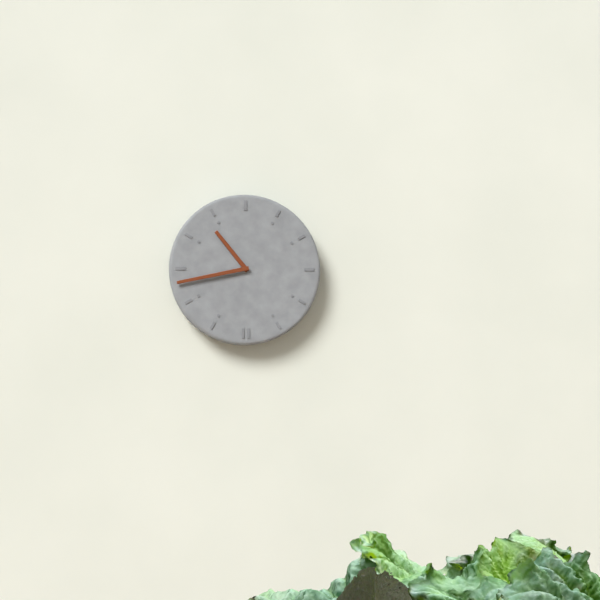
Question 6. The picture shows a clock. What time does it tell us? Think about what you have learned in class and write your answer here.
10:43
